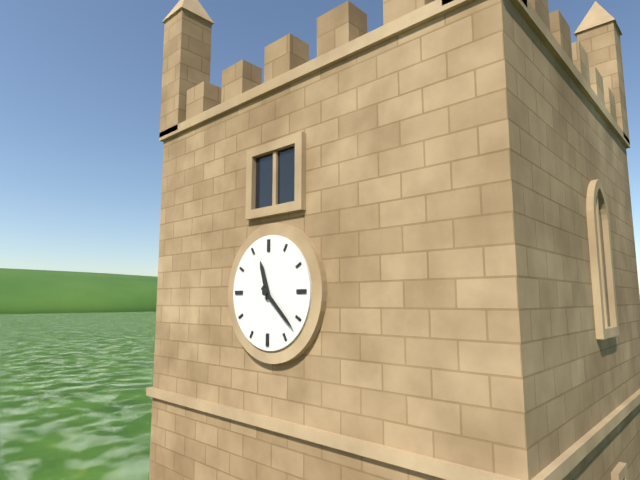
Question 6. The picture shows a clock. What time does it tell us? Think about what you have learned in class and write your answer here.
11:22
